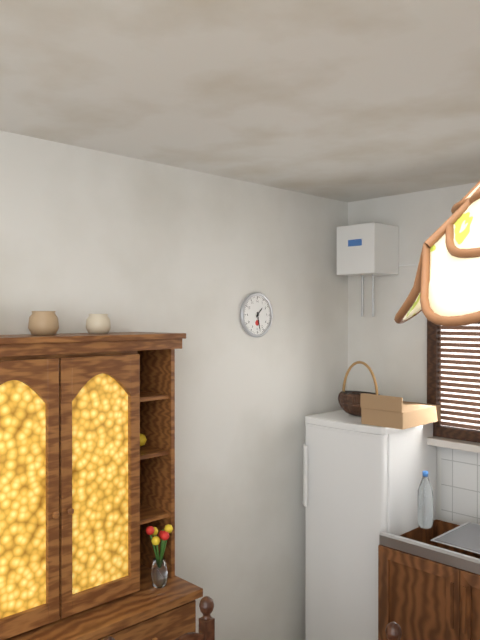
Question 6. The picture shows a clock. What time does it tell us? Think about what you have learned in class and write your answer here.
1:28
